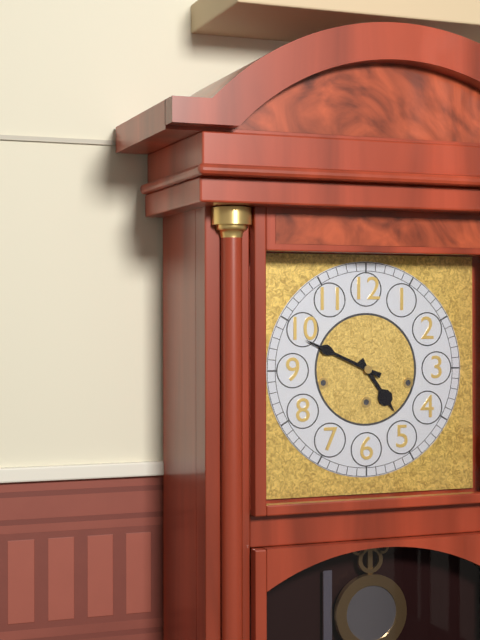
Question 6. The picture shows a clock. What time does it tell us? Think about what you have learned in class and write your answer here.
4:49
